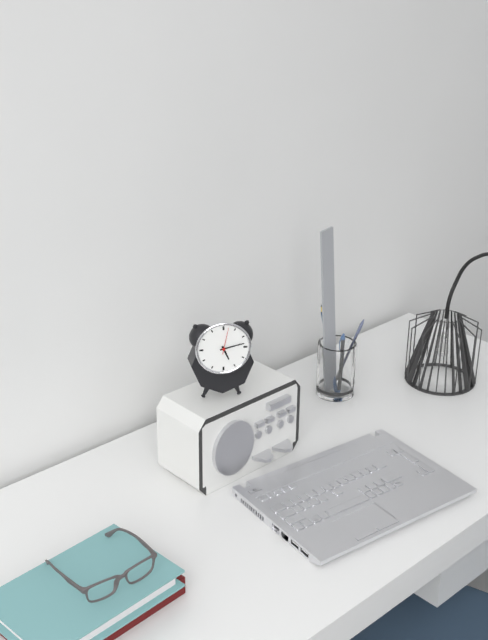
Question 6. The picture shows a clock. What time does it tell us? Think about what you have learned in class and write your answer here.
5:13
